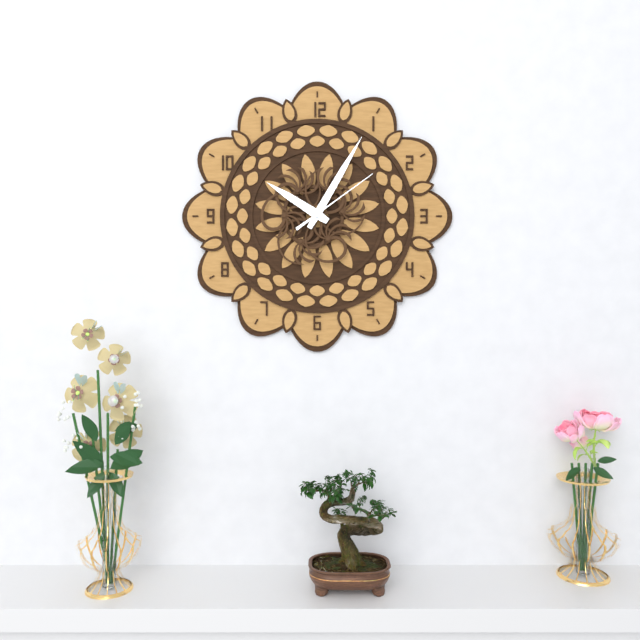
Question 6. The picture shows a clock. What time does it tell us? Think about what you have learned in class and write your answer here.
10:05:09
